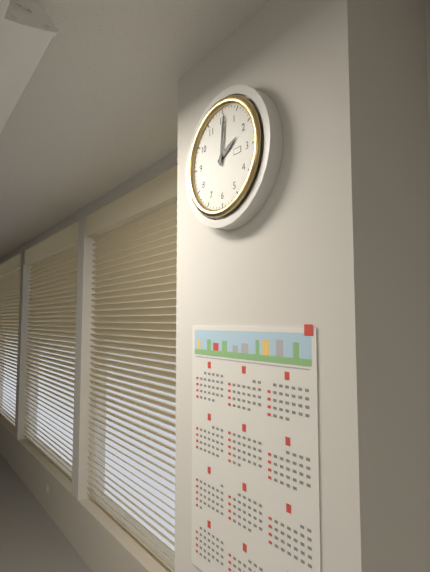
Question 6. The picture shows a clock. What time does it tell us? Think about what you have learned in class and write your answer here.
2:01
